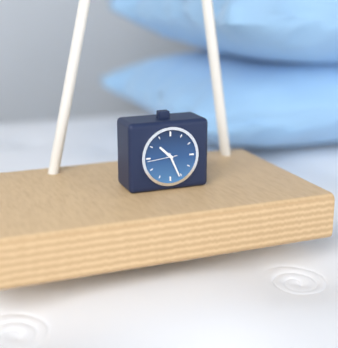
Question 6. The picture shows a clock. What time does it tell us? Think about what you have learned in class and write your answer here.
10:26
